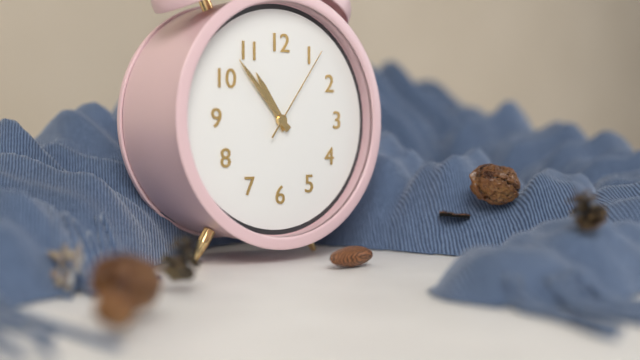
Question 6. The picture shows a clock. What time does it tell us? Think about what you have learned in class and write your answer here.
10:53:06
